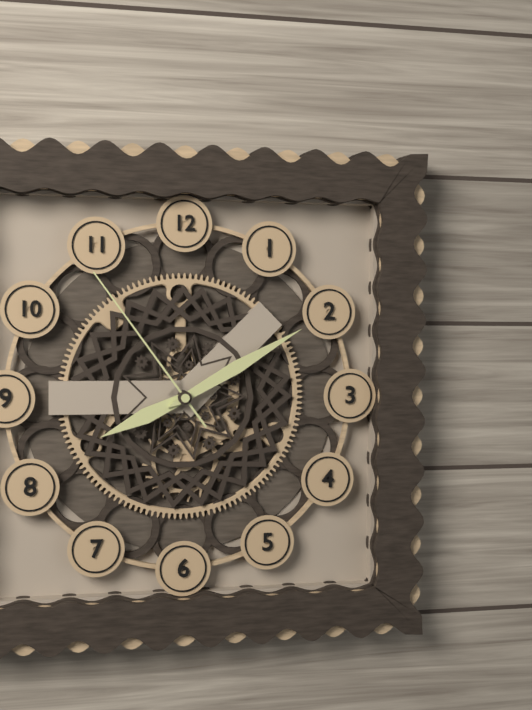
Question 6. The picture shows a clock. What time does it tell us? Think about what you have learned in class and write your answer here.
8:10:54
